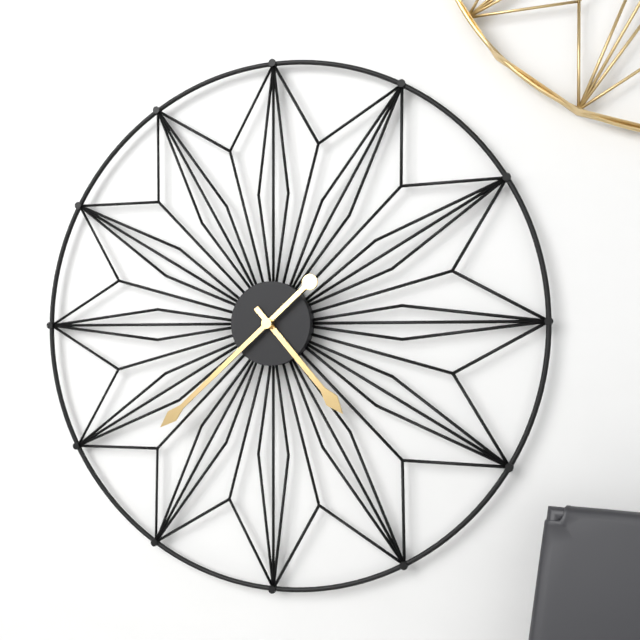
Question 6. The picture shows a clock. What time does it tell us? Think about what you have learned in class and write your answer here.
4:38
